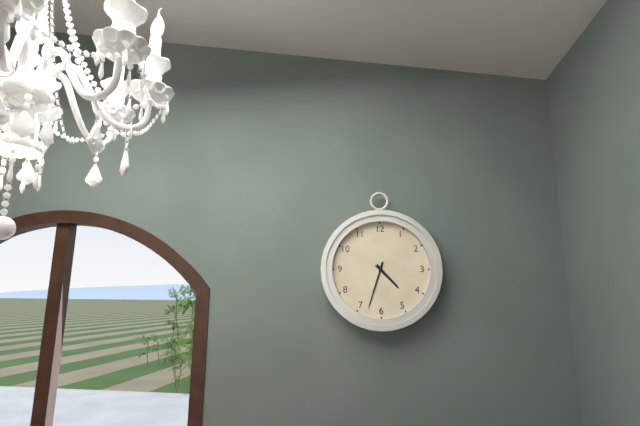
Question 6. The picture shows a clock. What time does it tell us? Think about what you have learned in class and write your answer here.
4:33
